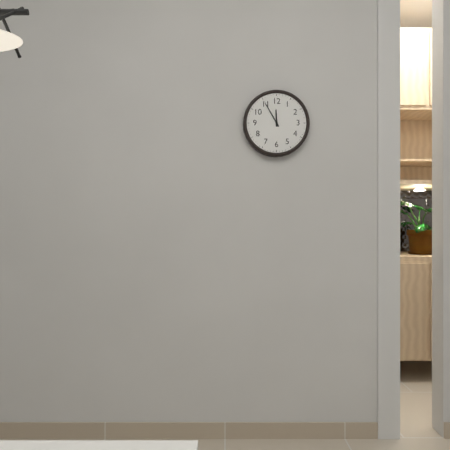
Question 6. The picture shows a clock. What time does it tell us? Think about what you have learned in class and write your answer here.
11:55
